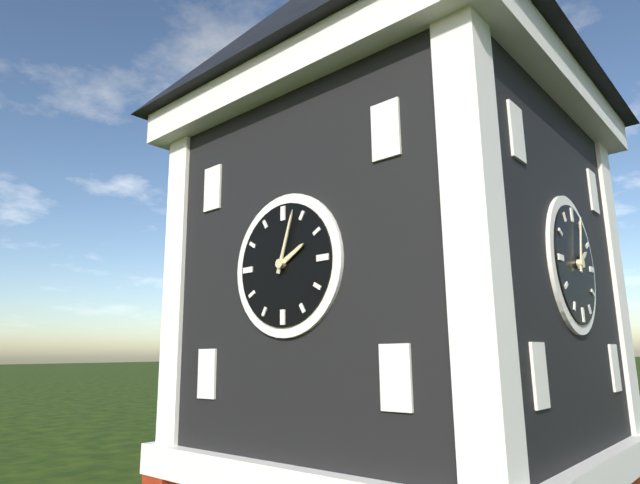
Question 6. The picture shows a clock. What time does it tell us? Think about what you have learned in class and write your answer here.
2:03
